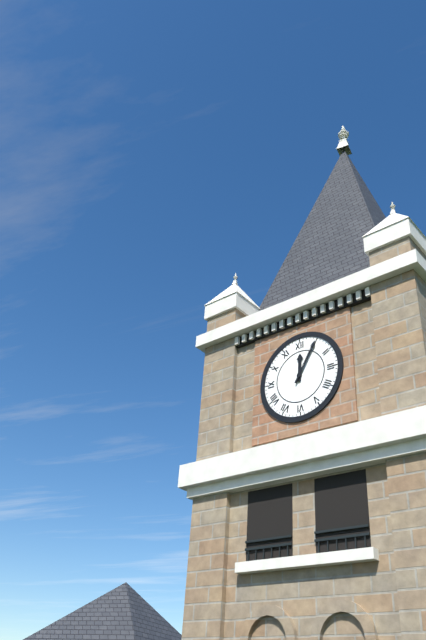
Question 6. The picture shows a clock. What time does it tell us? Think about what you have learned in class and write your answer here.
12:05
